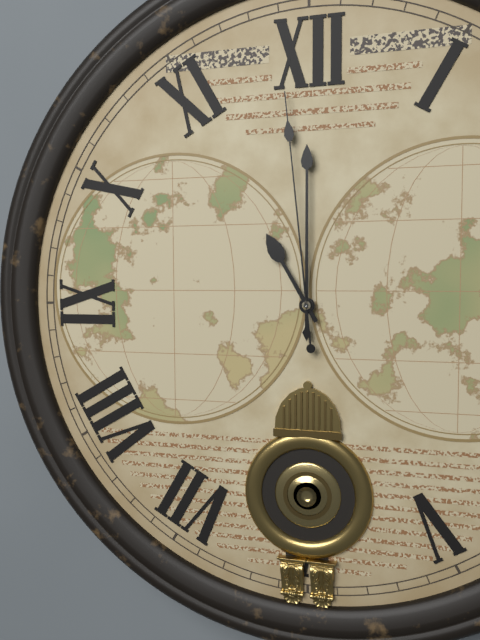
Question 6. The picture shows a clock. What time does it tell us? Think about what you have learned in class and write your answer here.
11:00:59
